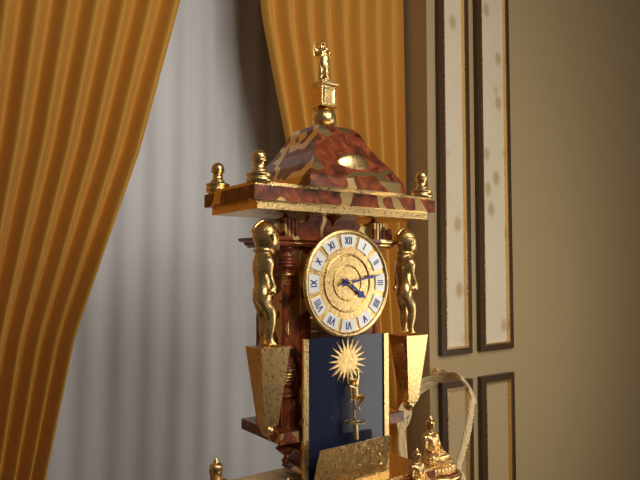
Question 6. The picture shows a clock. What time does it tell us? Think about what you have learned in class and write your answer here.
4:13
